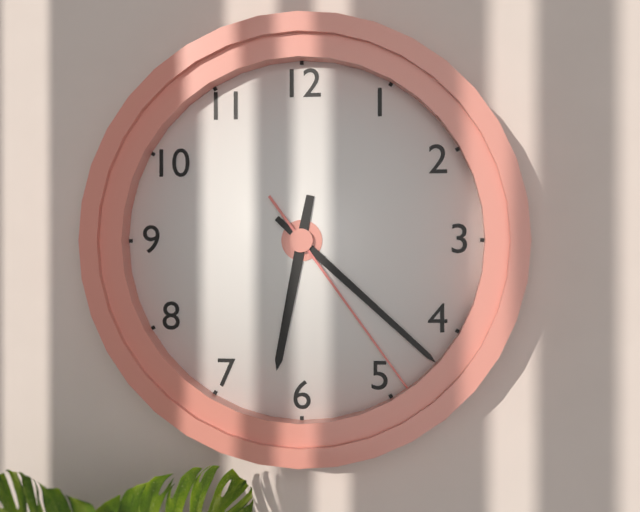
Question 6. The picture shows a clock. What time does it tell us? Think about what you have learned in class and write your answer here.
6:22:24
